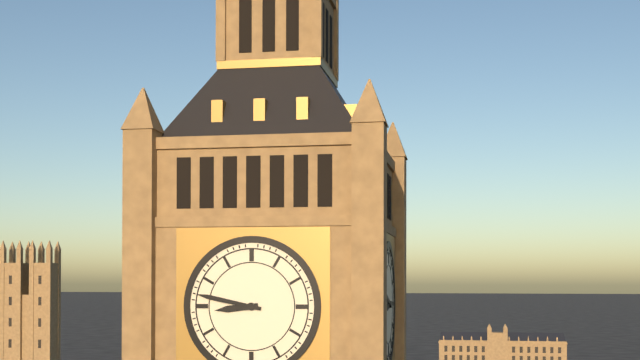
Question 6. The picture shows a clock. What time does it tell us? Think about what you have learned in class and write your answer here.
8:47
